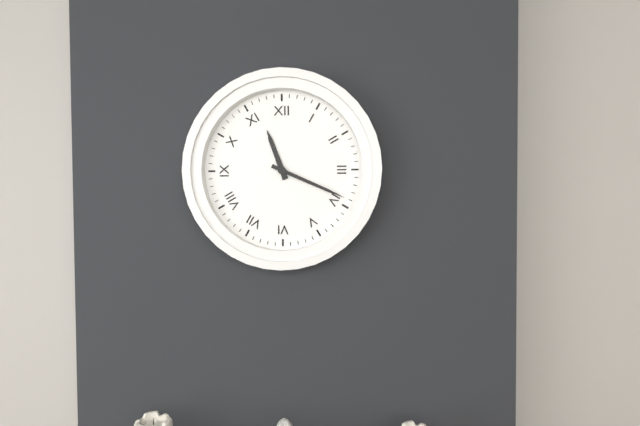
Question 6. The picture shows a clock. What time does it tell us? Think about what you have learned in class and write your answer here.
11:19
